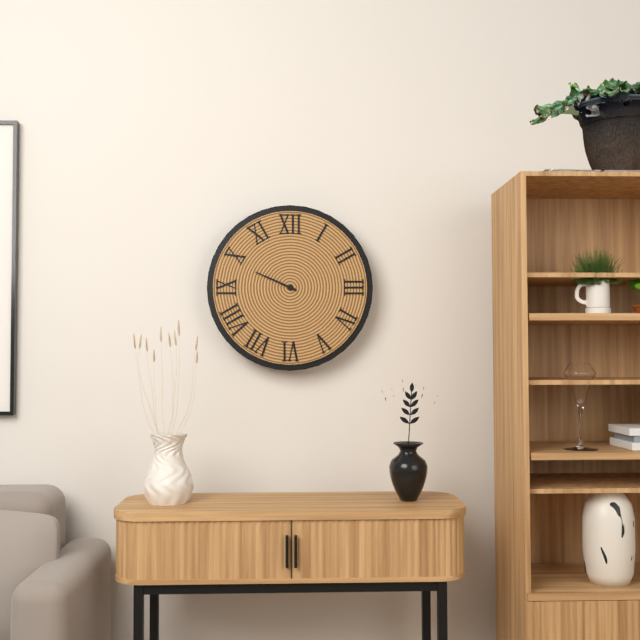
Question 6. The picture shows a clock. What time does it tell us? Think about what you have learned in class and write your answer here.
9:49
